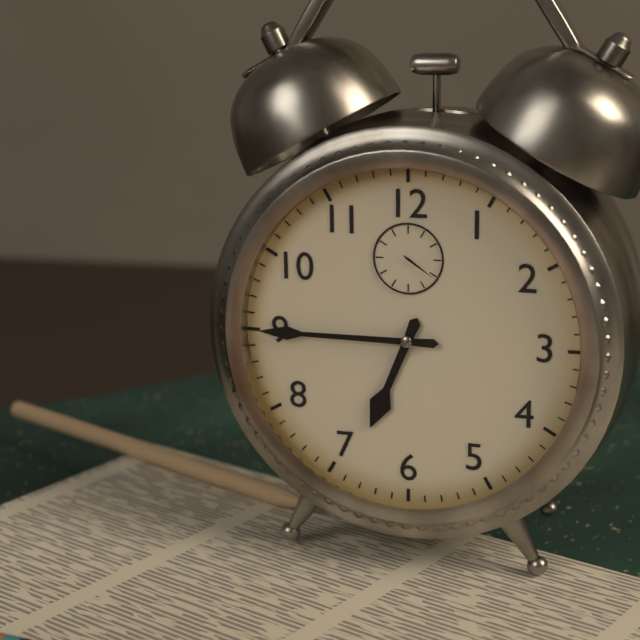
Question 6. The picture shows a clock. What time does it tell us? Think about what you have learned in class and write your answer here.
6:45
